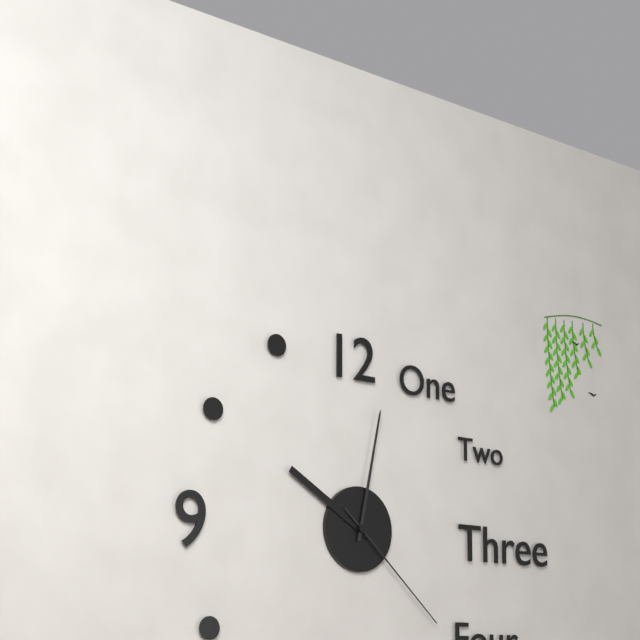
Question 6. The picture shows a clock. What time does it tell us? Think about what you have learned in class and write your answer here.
10:02:22
